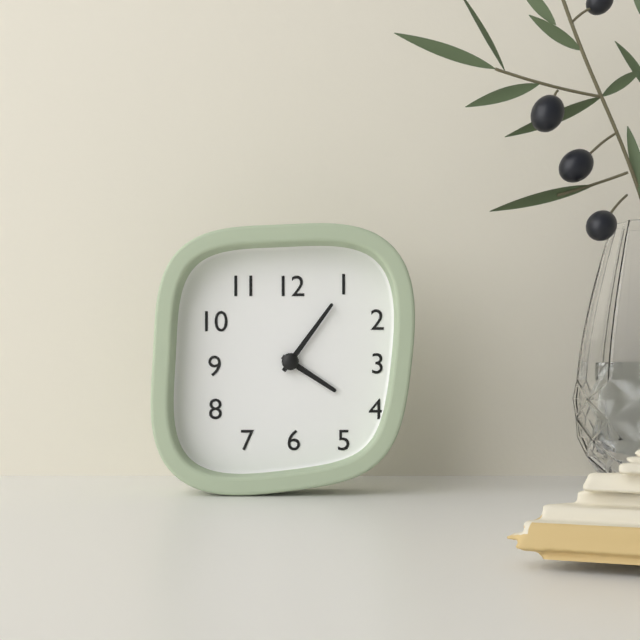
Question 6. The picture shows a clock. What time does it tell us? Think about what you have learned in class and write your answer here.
4:06
